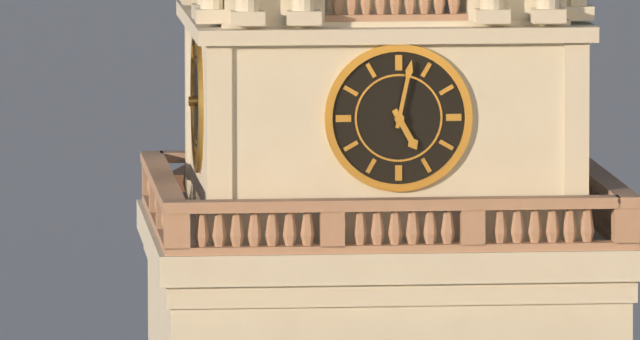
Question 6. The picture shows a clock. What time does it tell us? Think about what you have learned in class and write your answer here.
5:02
